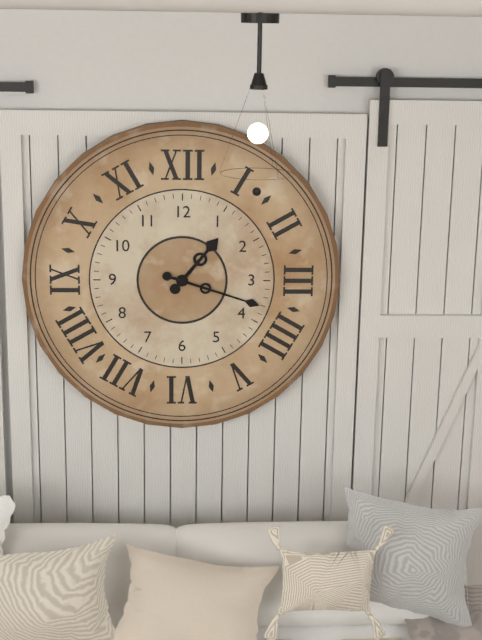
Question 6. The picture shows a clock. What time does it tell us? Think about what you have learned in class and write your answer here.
1:18
